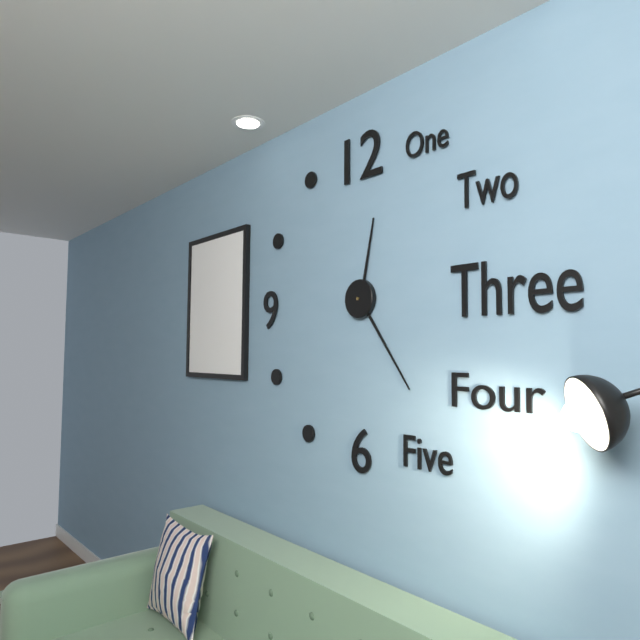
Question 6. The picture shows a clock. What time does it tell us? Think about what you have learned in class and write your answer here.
12:24
